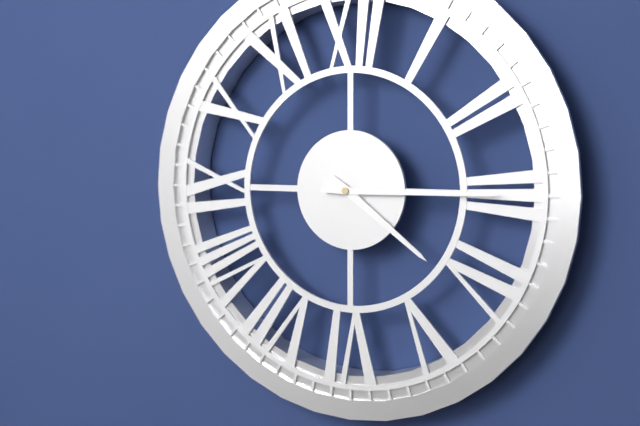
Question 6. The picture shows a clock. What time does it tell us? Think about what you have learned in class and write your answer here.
4:15
